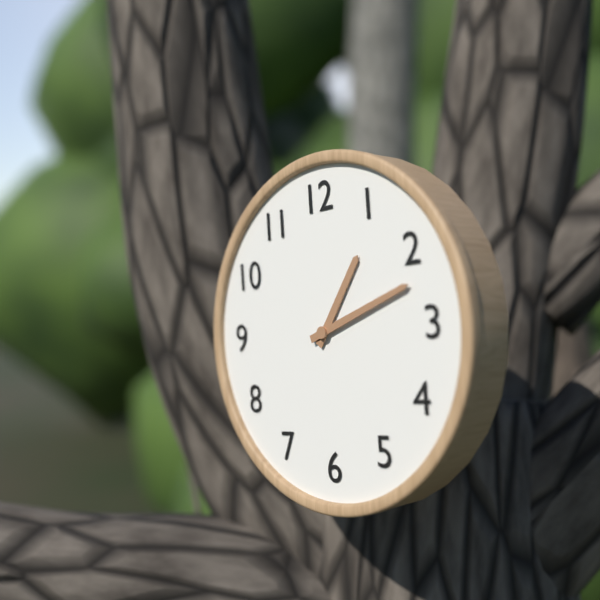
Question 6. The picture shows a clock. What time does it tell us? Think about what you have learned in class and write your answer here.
1:12
